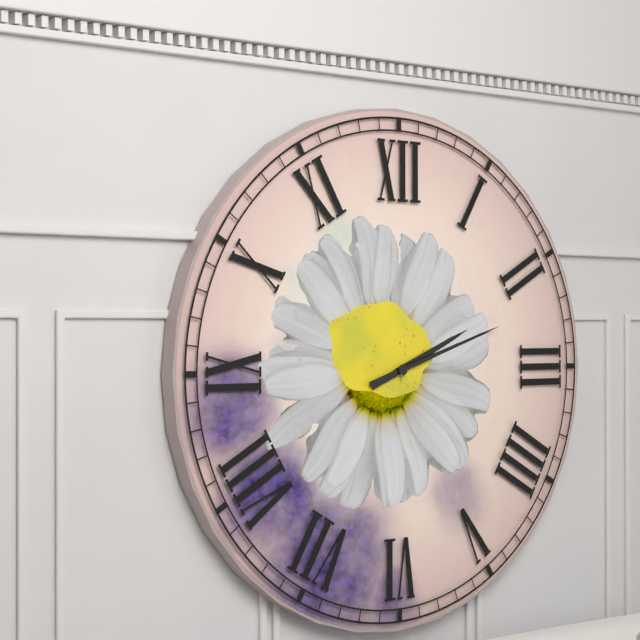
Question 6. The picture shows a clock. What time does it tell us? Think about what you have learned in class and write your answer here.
2:12
